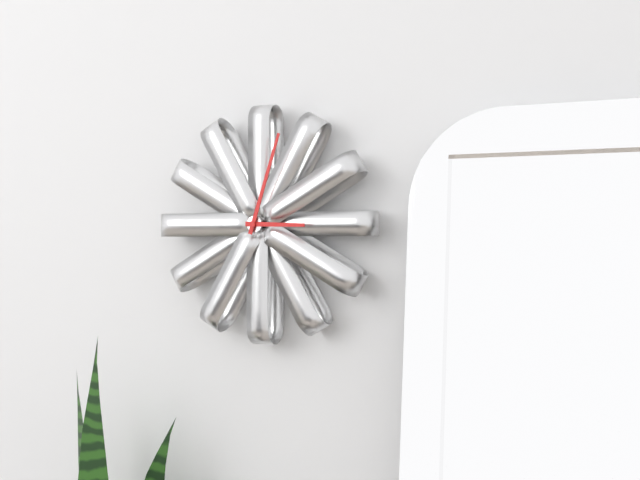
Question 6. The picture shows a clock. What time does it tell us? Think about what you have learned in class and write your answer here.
3:03
